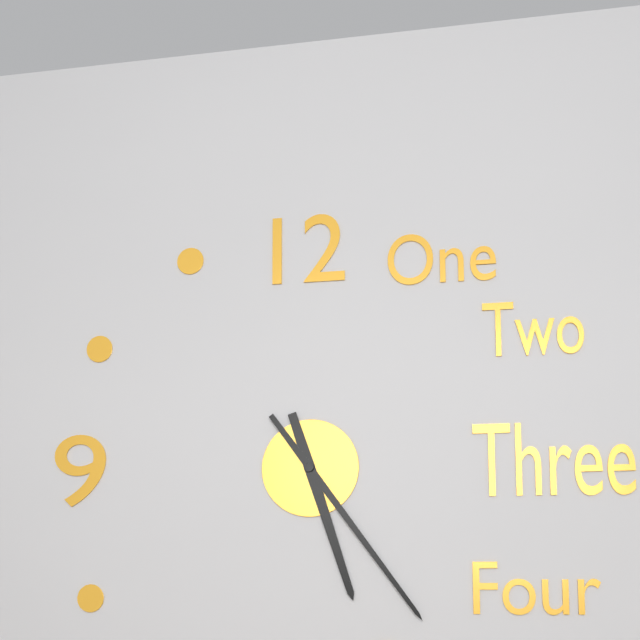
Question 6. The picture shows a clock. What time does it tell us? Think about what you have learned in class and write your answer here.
5:24
